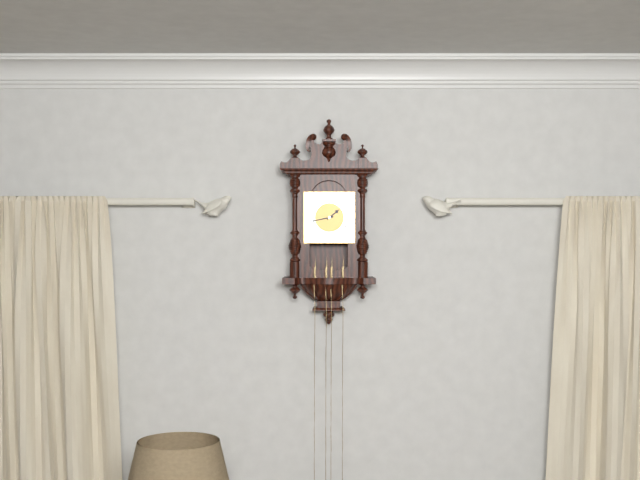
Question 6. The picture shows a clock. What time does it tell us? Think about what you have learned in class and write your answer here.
1:43
